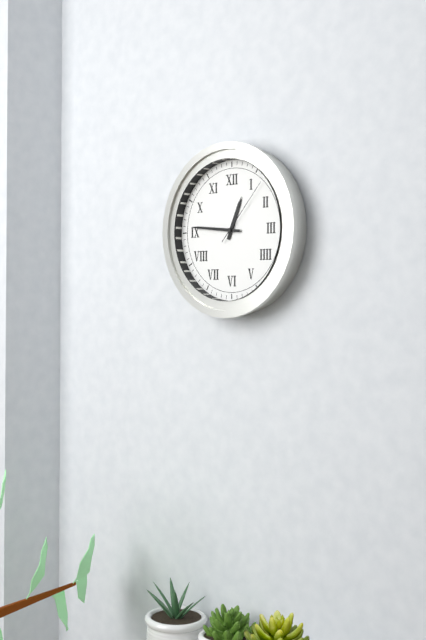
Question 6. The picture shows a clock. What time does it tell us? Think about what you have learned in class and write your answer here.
12:46:07
